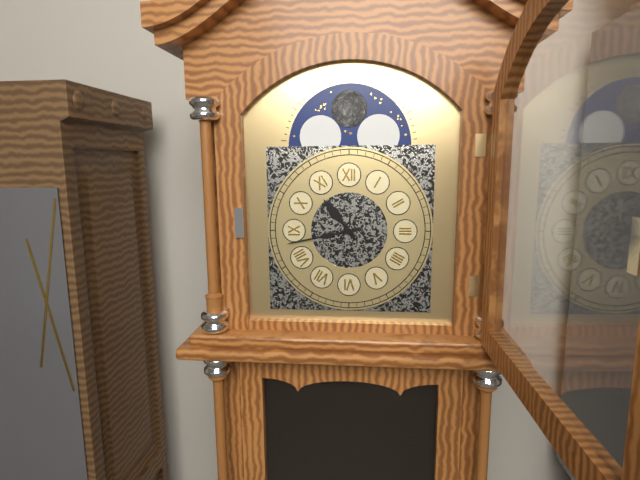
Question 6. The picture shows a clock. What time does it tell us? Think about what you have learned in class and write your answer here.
10:43
